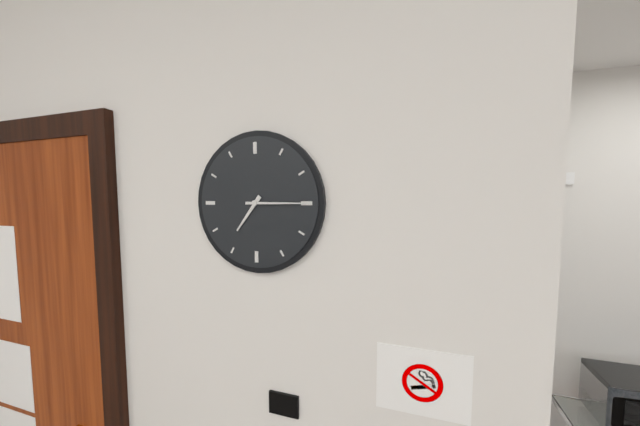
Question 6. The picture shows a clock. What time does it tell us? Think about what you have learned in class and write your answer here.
7:15
